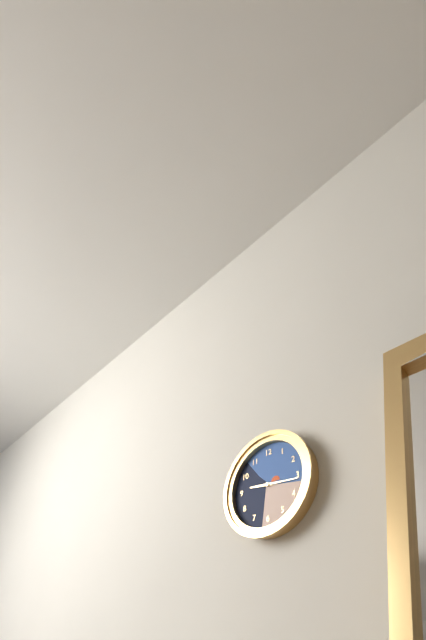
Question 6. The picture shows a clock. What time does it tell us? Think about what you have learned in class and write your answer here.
9:16
